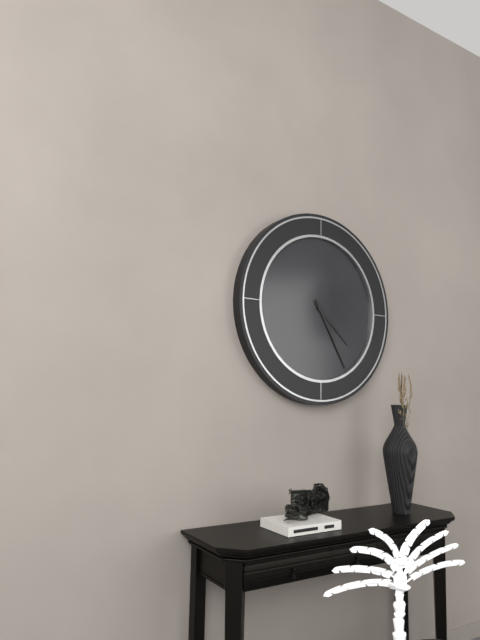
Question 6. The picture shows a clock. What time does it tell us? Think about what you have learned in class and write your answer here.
4:25
